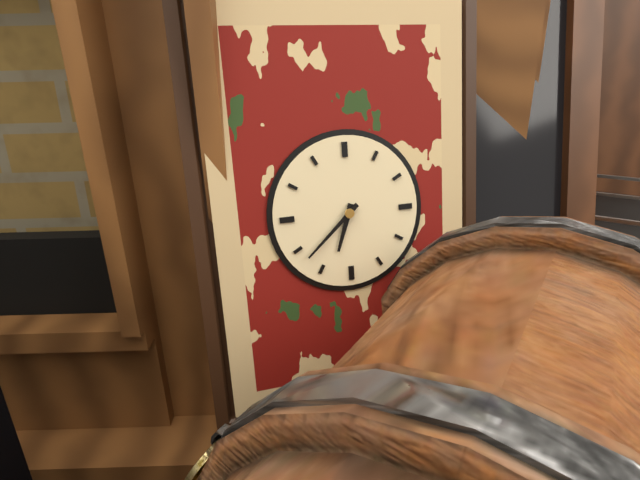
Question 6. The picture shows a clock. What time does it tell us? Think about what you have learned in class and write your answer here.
6:38
